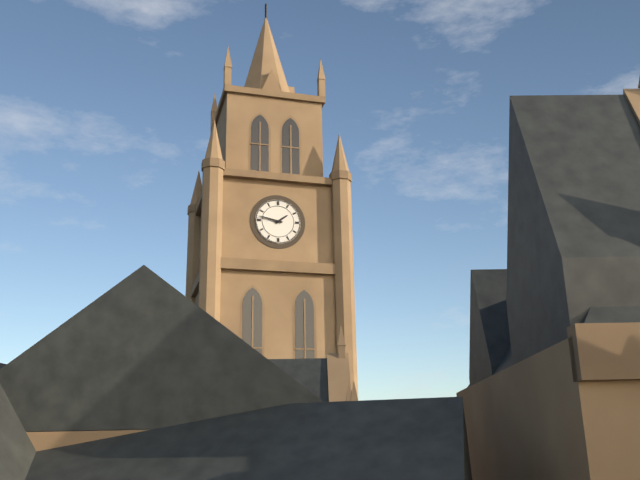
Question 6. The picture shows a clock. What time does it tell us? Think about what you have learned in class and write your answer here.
1:47
